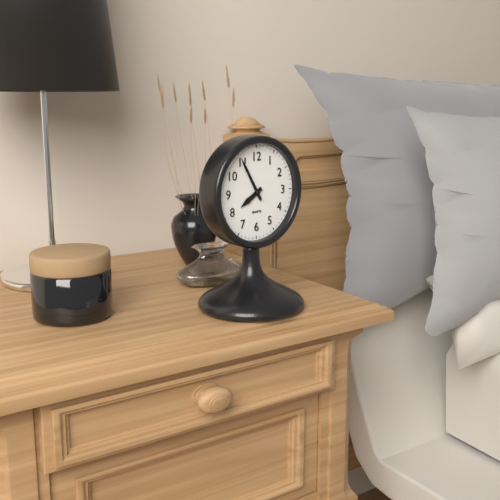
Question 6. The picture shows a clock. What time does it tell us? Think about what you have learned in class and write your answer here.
7:55
